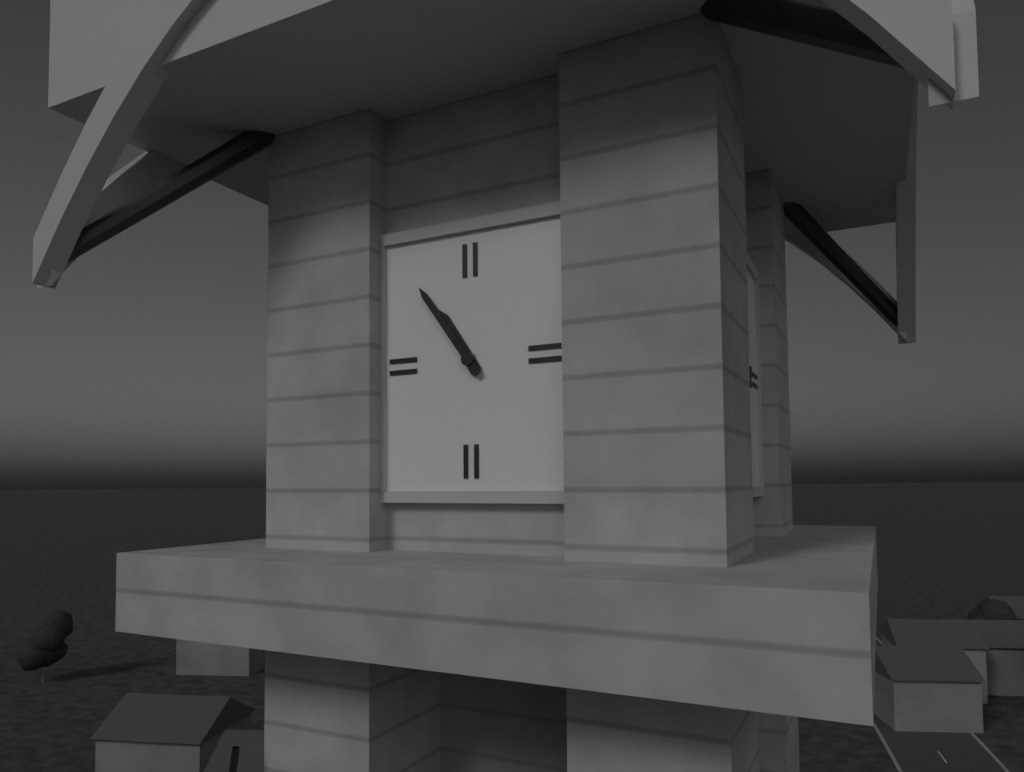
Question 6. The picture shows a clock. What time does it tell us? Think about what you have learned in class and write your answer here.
10:54
